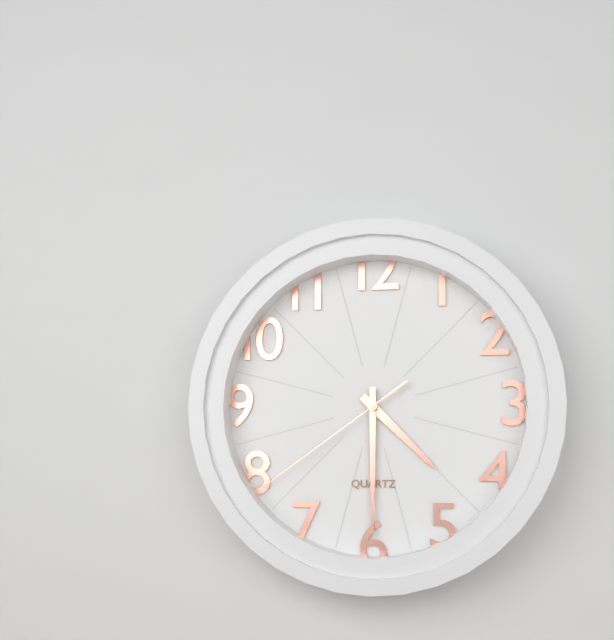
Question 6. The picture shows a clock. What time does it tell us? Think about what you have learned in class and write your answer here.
4:30:39
